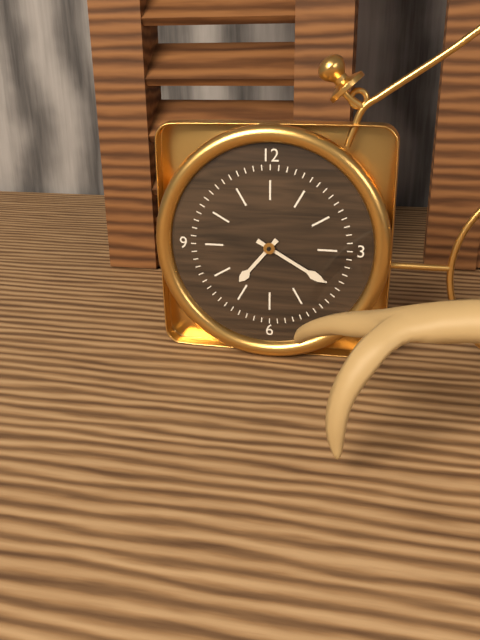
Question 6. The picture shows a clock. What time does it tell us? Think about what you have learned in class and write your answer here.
7:20
